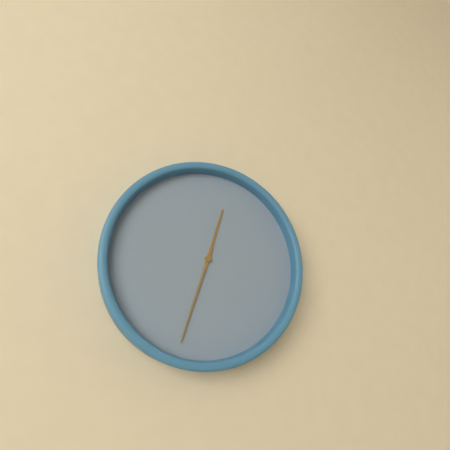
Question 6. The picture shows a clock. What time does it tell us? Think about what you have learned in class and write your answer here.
12:33
